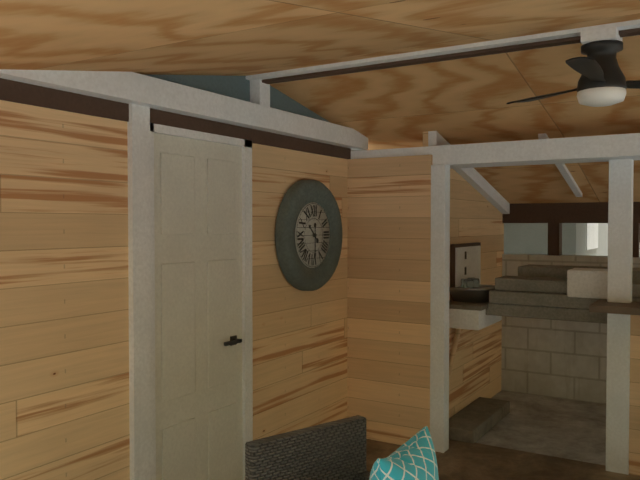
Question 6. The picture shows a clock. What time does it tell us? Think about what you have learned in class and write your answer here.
10:30
